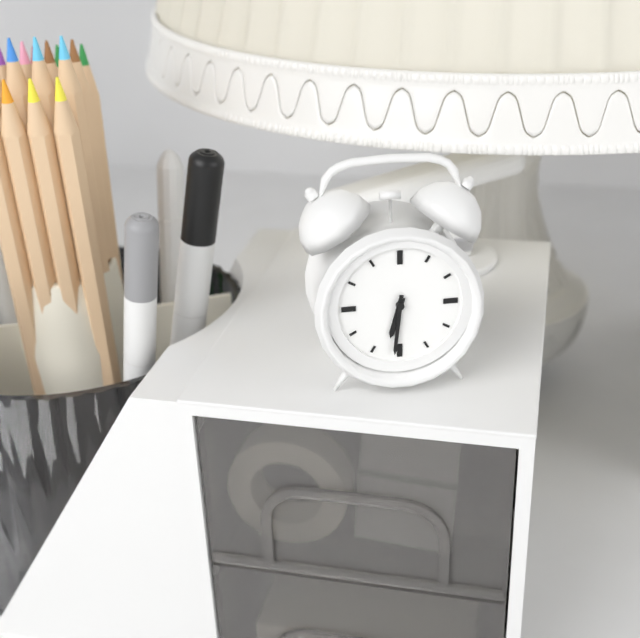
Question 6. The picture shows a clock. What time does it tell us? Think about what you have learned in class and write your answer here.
6:31
